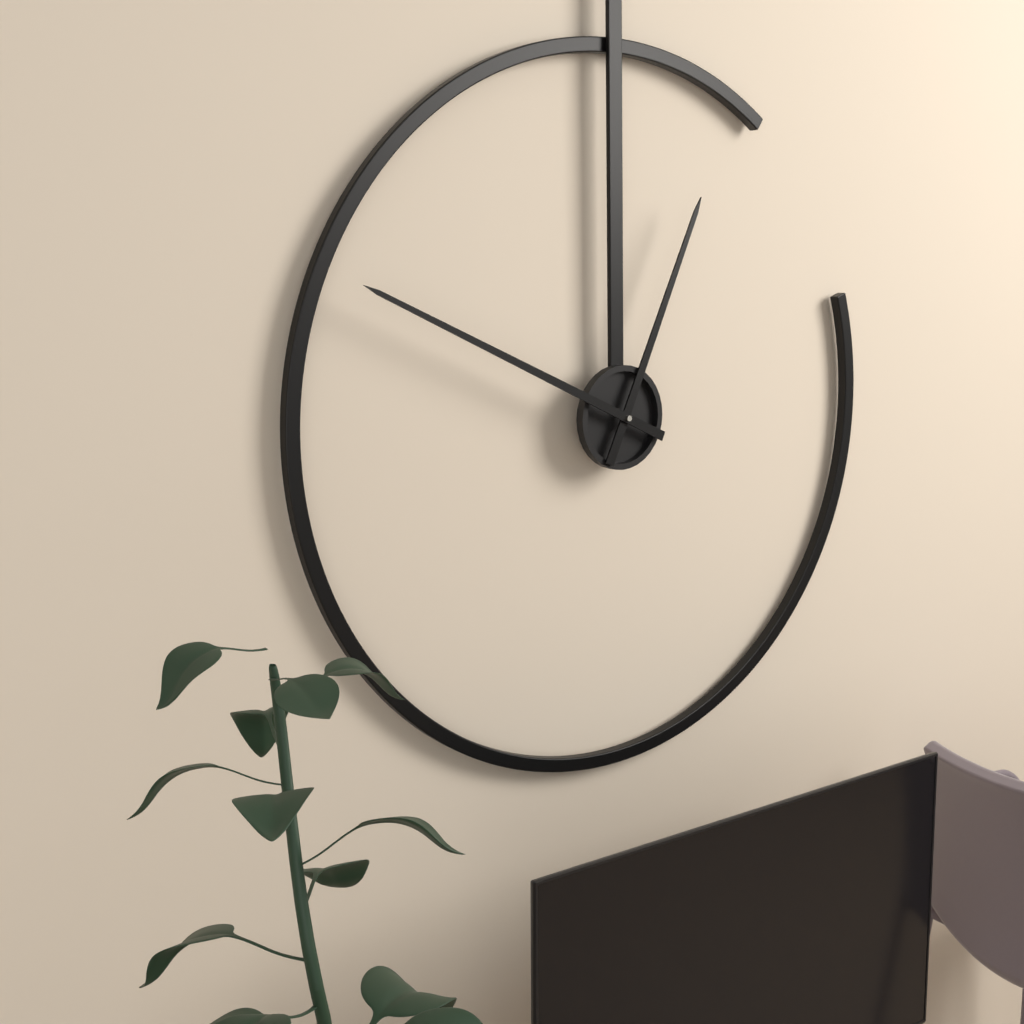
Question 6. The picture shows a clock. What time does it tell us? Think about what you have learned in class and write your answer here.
12:49
